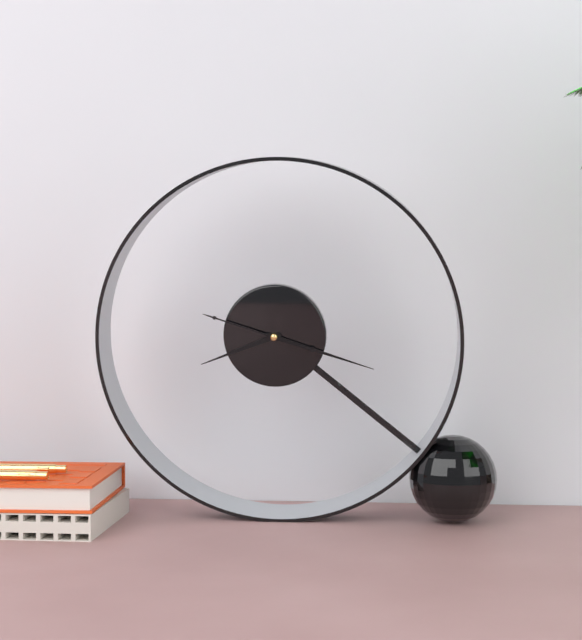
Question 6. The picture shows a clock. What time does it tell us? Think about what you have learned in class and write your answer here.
8:18:48
